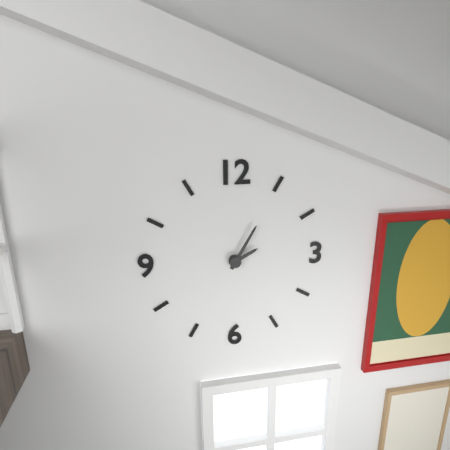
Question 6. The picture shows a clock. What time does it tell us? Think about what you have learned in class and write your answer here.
2:05
